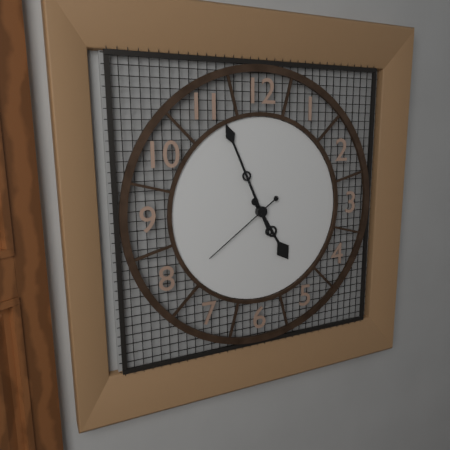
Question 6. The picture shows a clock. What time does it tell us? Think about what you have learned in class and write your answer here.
4:56:39
